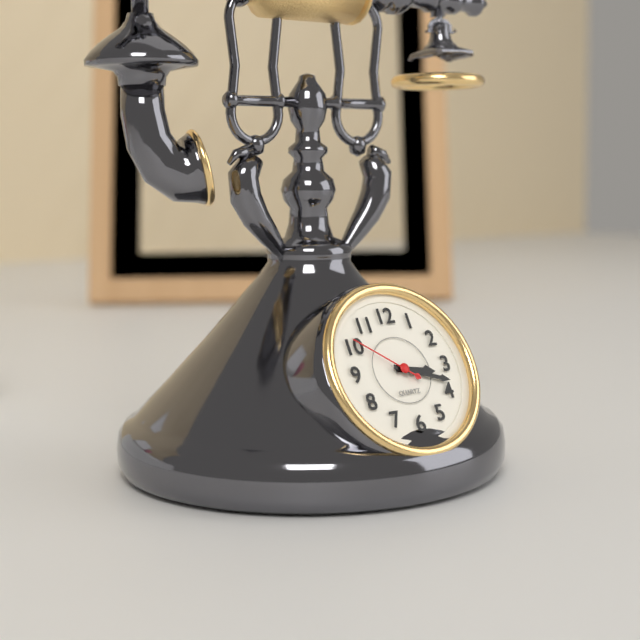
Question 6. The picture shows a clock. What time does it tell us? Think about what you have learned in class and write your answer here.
3:18:51
